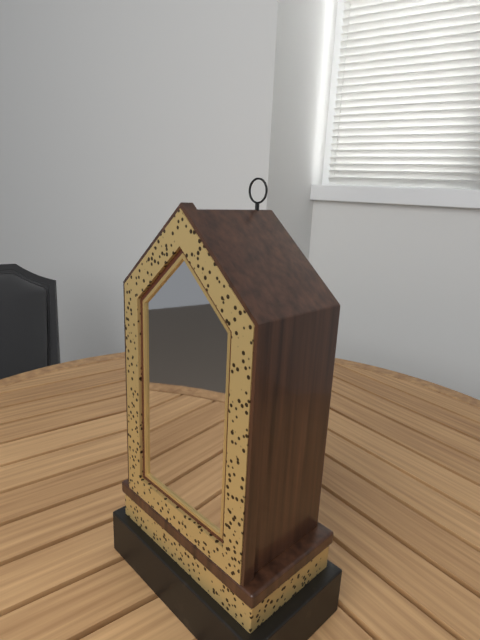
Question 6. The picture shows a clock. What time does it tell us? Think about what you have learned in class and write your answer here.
4:13
